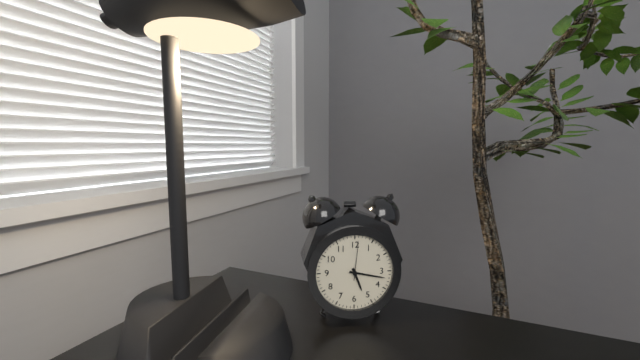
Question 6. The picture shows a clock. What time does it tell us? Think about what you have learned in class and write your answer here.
5:17
